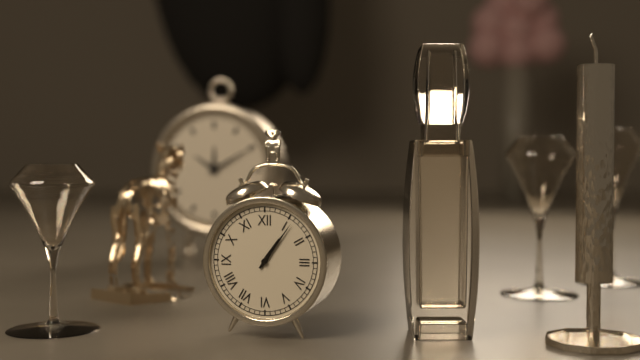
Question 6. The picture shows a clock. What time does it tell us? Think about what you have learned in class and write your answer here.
1:06
